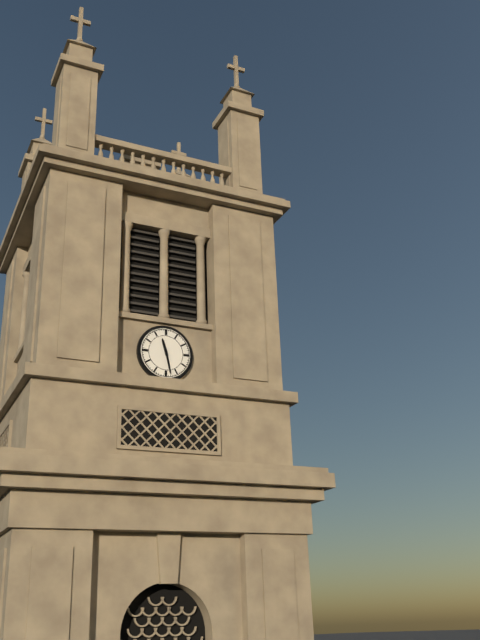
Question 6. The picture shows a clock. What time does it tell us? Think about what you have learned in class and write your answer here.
11:28
